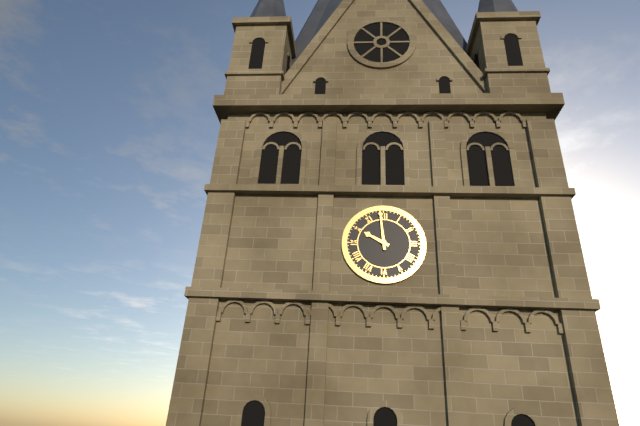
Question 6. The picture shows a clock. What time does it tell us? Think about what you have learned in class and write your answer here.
9:59
